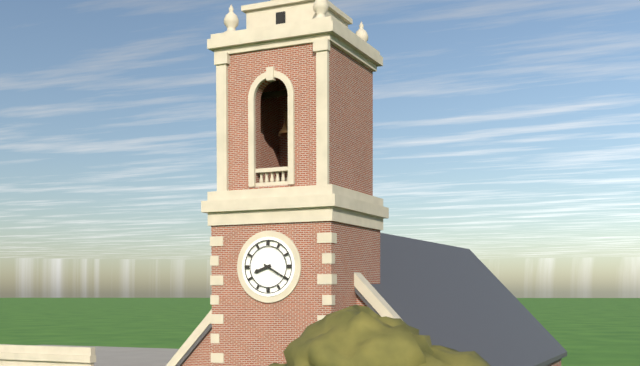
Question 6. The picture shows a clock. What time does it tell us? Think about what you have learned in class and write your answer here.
8:20
